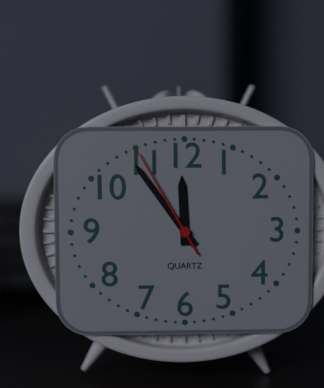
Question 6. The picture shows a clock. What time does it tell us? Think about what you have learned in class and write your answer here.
11:54:55
